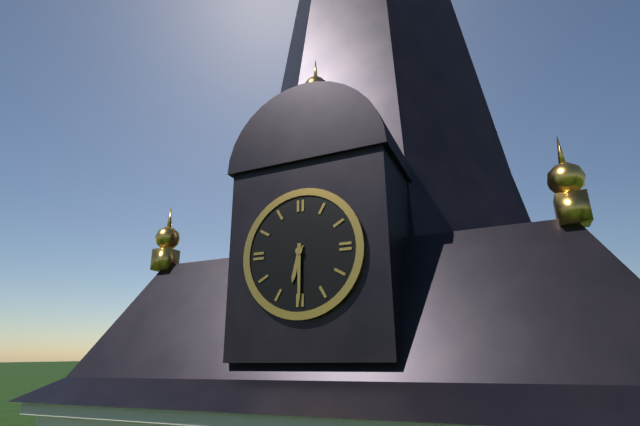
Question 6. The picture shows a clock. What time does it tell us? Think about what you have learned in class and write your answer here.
6:30
